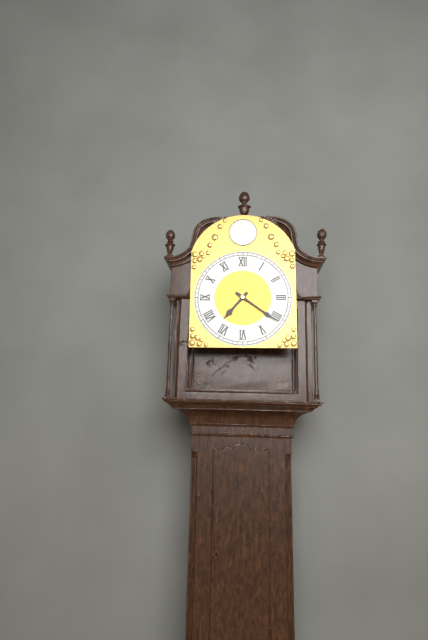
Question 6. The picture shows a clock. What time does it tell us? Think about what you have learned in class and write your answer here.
7:21
